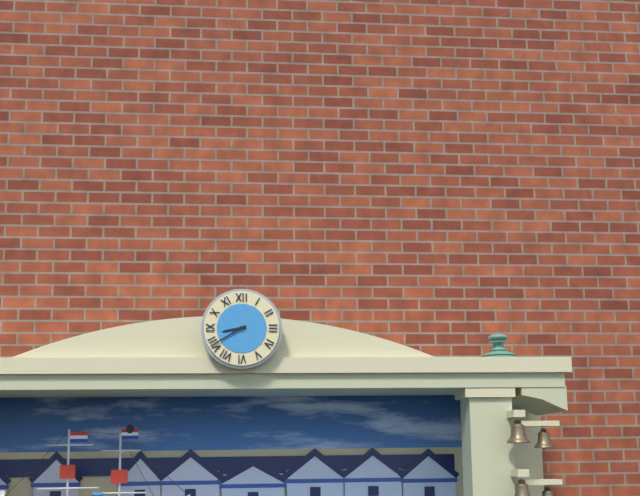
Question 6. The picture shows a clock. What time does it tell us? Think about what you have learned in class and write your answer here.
8:40
